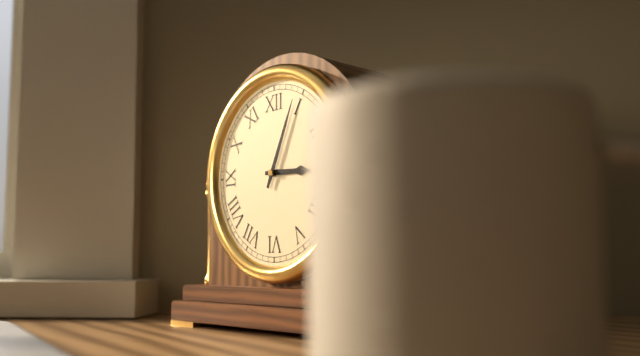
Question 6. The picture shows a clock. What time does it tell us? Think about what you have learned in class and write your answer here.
3:04
